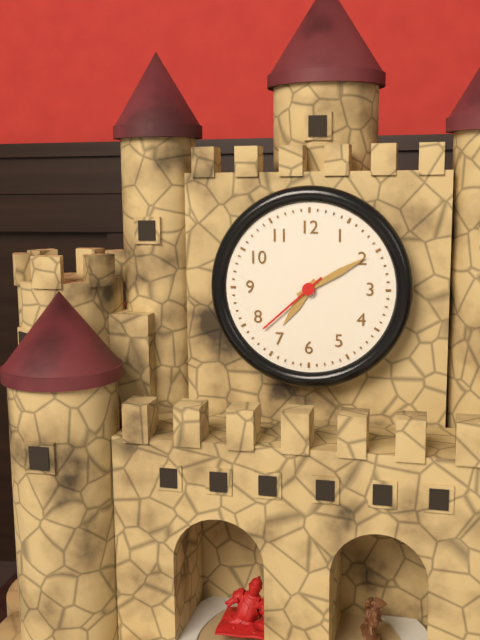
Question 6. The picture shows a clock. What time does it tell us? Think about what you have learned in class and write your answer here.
7:10:38
